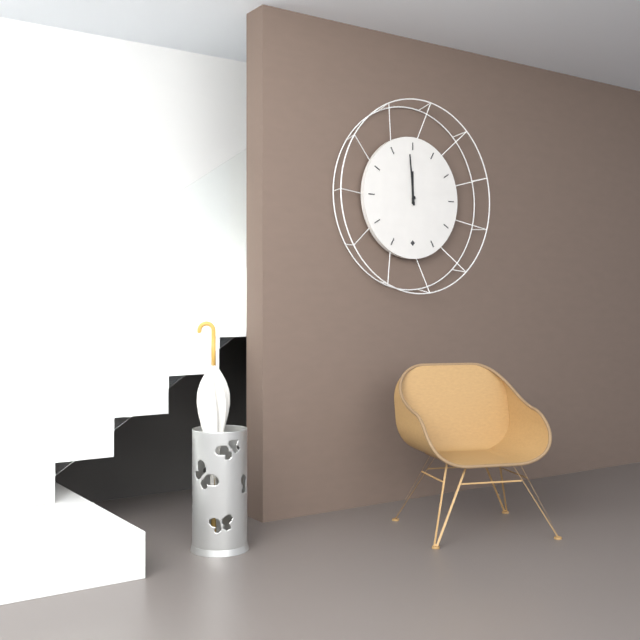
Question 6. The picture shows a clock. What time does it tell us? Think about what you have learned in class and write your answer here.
11:59
